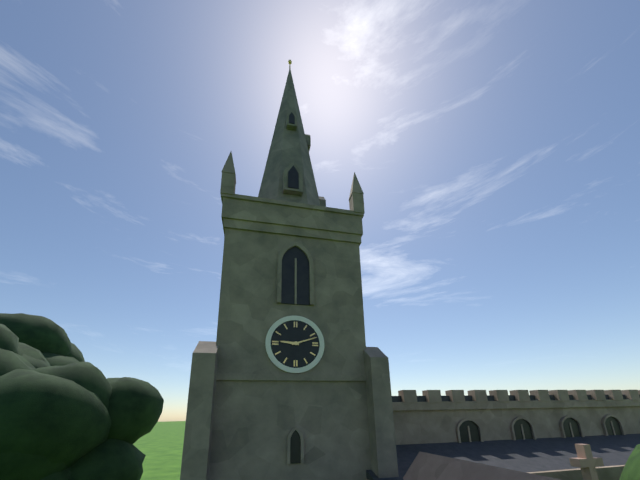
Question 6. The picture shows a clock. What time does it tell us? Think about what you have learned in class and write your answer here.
9:12
